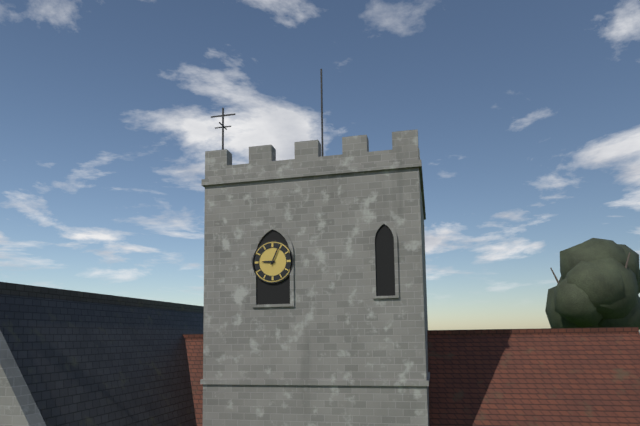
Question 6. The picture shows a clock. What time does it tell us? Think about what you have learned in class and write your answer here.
9:04
